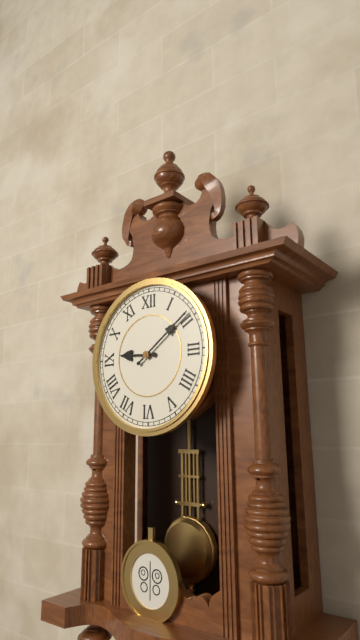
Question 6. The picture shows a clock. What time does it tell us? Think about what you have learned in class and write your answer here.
9:09
